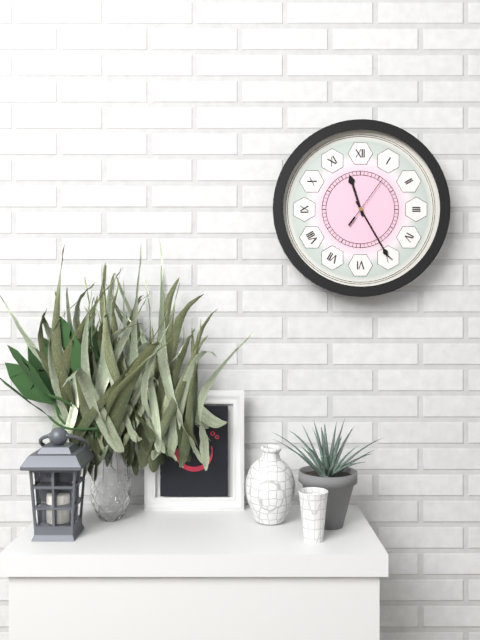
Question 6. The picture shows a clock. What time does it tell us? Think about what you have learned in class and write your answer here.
11:25
